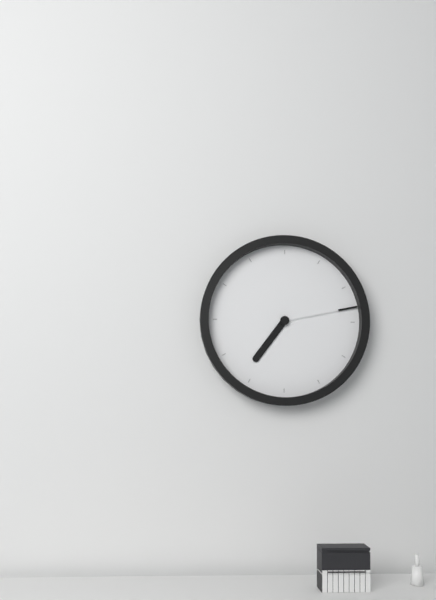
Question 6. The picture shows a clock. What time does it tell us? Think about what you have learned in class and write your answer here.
7:13
